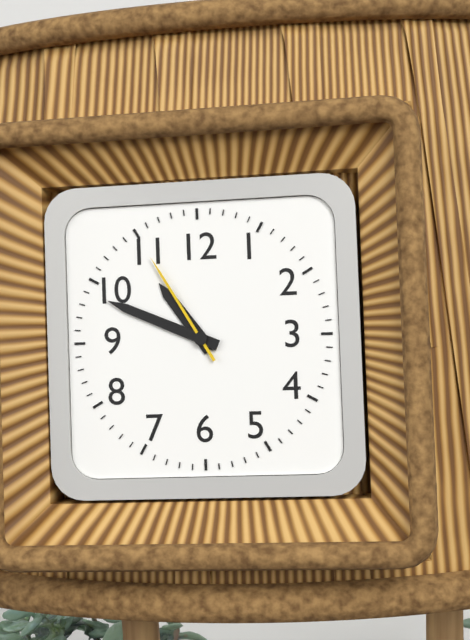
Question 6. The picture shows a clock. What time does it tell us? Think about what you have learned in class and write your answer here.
10:49:55
